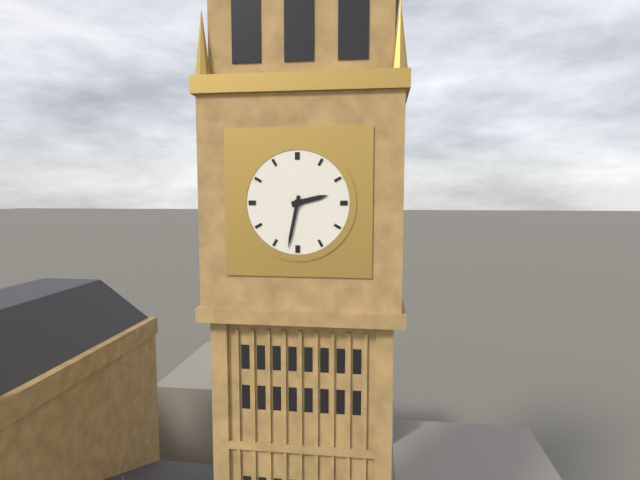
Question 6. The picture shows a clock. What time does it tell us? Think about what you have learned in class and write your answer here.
2:32
